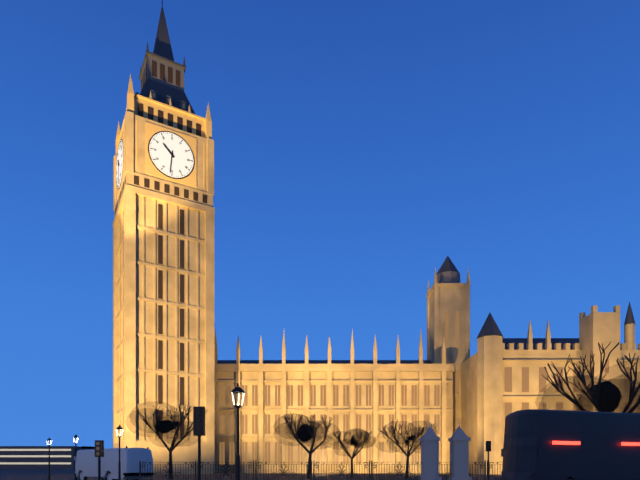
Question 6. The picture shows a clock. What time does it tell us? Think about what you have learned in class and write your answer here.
10:31
